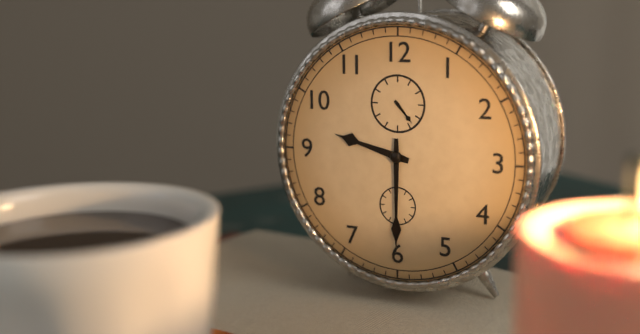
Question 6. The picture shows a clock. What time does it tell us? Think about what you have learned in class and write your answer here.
9:30
